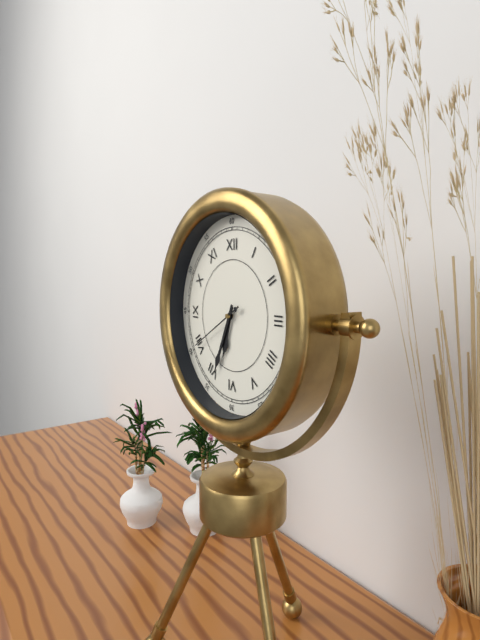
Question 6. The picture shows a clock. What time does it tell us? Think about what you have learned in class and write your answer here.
6:34:40
